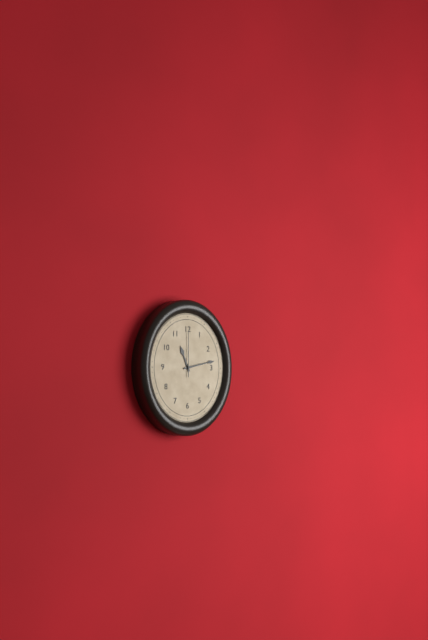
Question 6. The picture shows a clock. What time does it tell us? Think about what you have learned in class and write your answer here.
11:13
